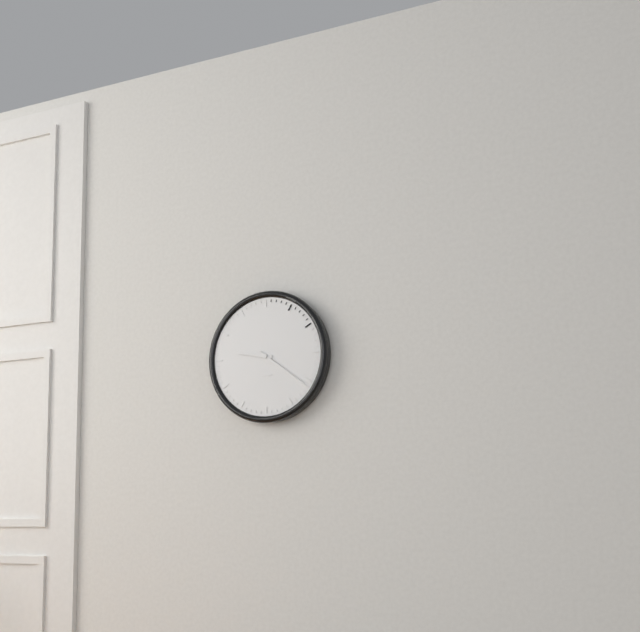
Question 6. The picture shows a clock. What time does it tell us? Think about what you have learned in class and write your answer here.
9:21
